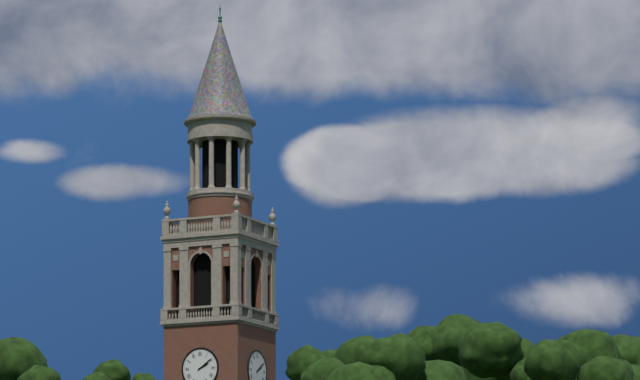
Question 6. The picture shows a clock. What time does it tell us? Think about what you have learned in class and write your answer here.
2:09
